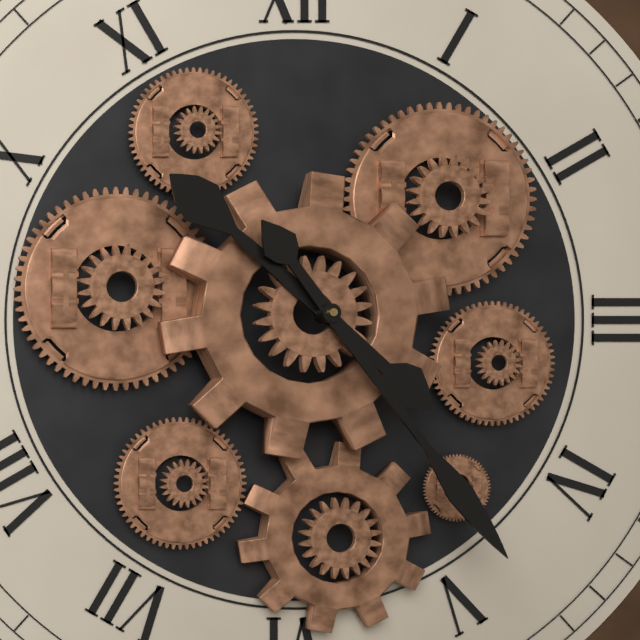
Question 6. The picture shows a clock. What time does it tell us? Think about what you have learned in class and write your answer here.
10:24
